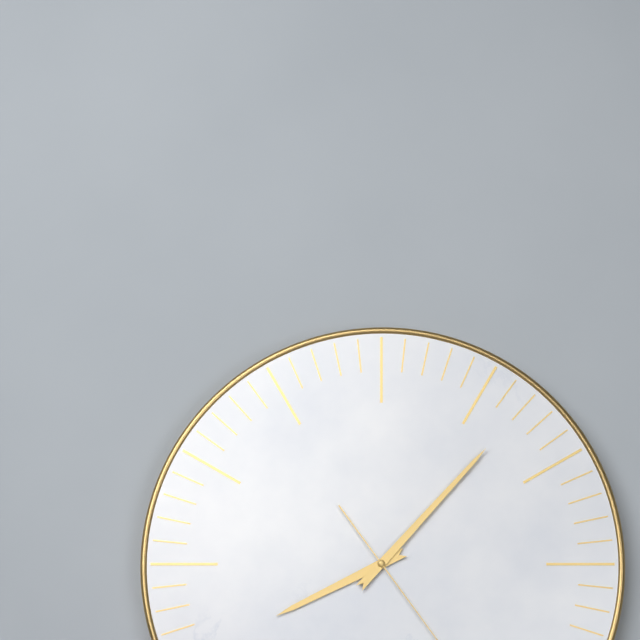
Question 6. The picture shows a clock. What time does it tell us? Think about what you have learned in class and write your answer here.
8:07
